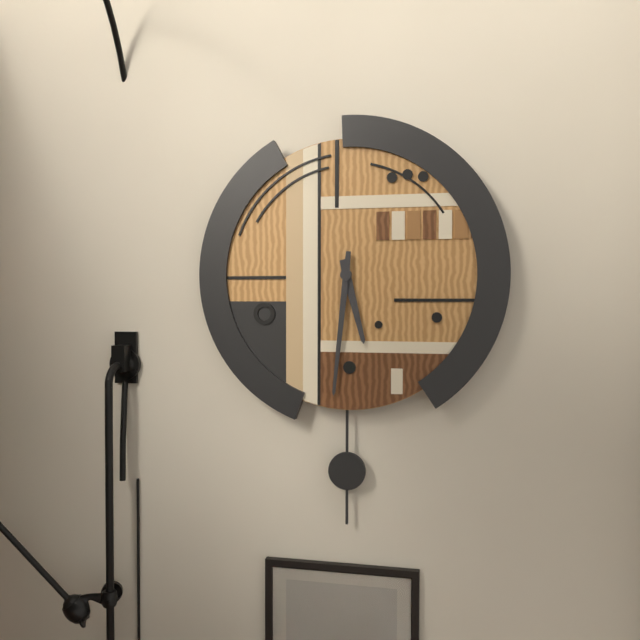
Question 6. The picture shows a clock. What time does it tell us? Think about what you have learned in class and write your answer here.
5:31
